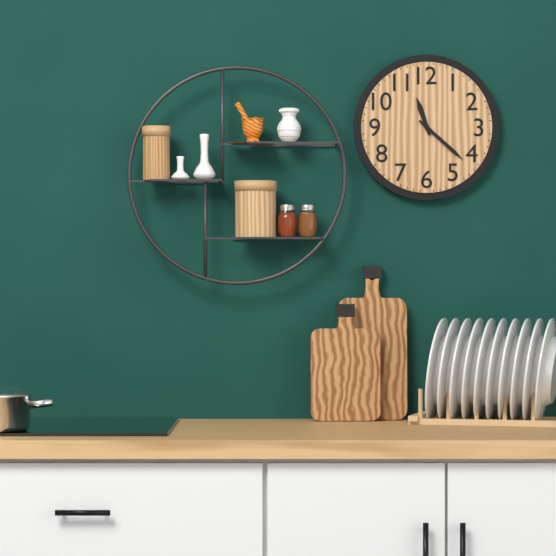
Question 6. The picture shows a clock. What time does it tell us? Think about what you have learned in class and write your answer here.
11:22
